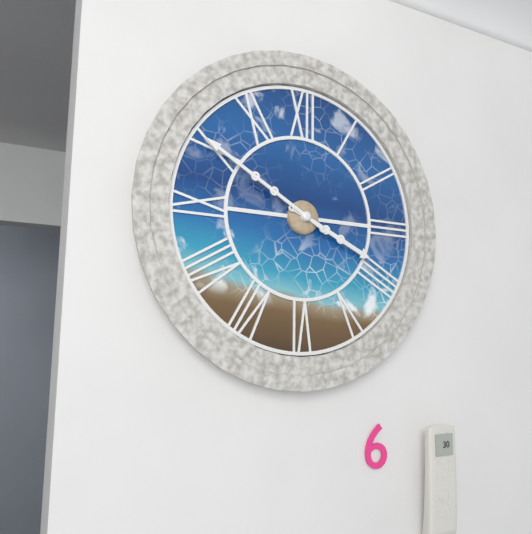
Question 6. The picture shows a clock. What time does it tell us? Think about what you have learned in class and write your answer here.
3:50
